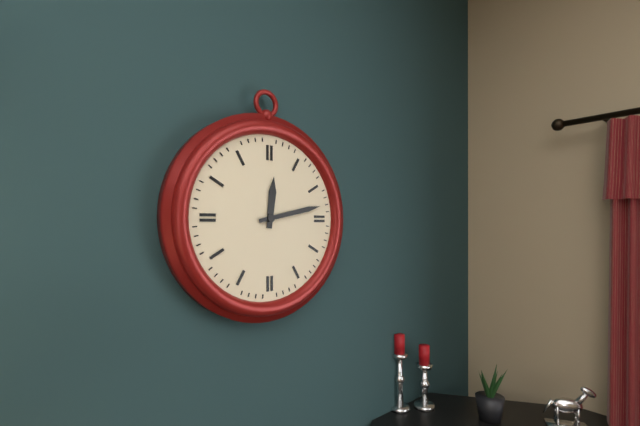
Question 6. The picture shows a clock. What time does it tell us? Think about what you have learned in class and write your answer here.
12:13
